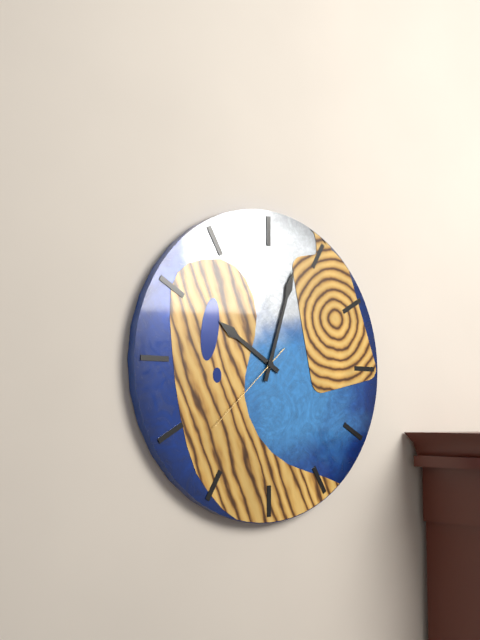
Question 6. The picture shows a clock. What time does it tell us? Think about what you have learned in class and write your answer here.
10:03:38
